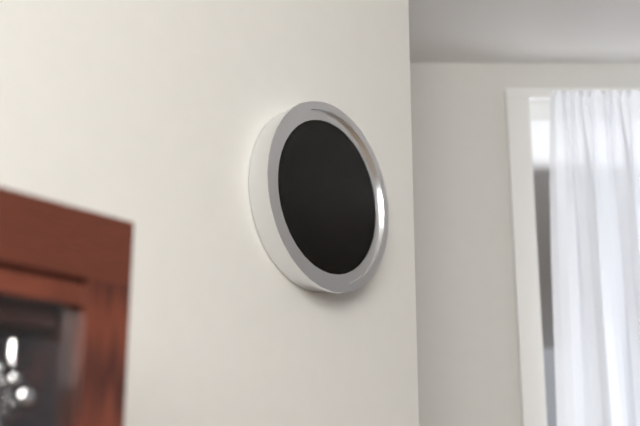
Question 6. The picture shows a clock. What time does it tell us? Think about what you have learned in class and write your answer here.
1:58:12
